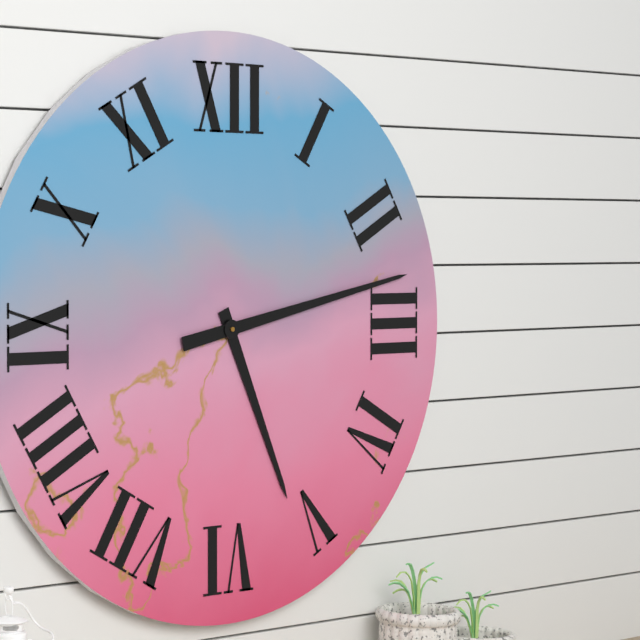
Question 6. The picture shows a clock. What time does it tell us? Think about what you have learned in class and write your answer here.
5:13
